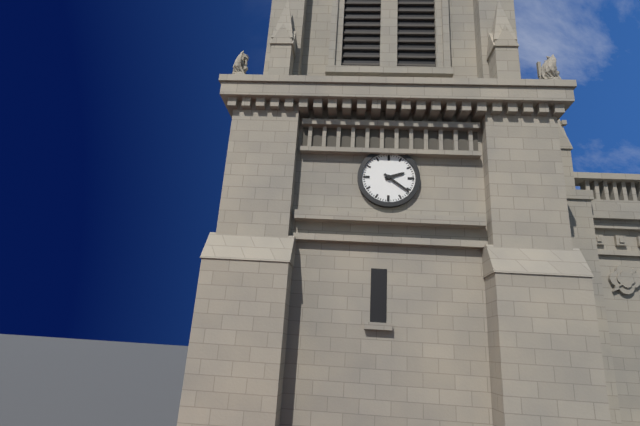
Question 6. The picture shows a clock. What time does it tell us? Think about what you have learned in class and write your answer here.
2:21
